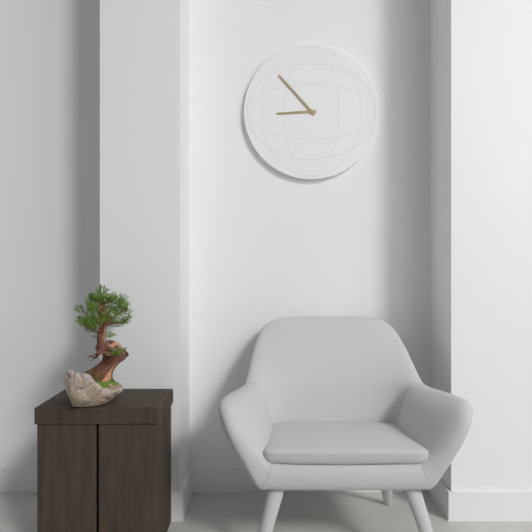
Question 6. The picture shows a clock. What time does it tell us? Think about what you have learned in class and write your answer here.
8:53
